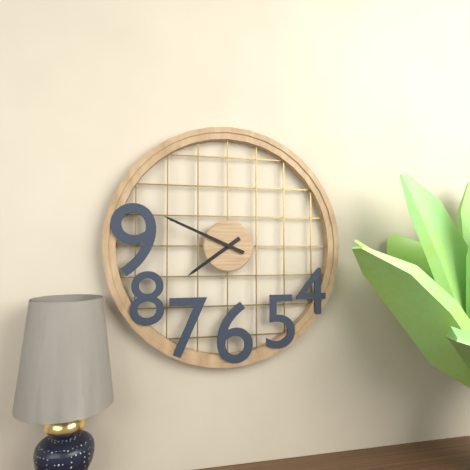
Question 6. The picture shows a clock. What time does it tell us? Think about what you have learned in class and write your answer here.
7:49
